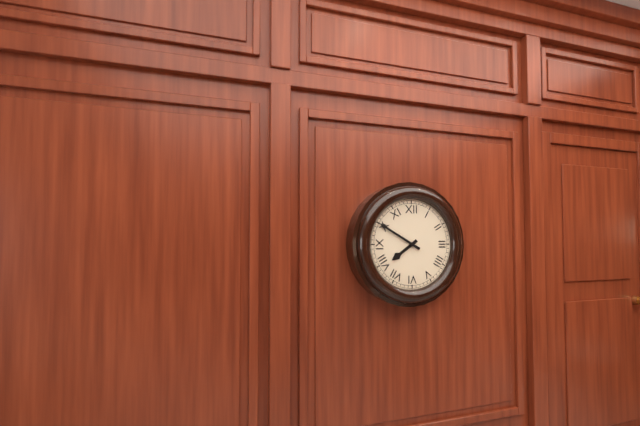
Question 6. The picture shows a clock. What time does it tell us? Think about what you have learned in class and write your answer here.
7:50
